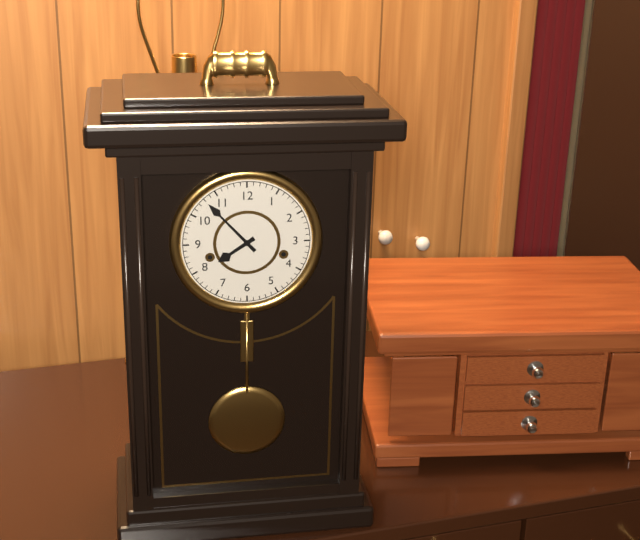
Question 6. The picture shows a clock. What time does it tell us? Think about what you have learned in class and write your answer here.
7:53
